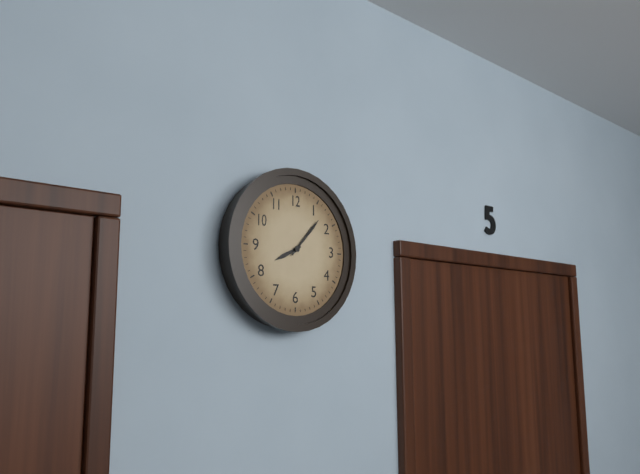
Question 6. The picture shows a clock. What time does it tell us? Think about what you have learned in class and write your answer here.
8:07
